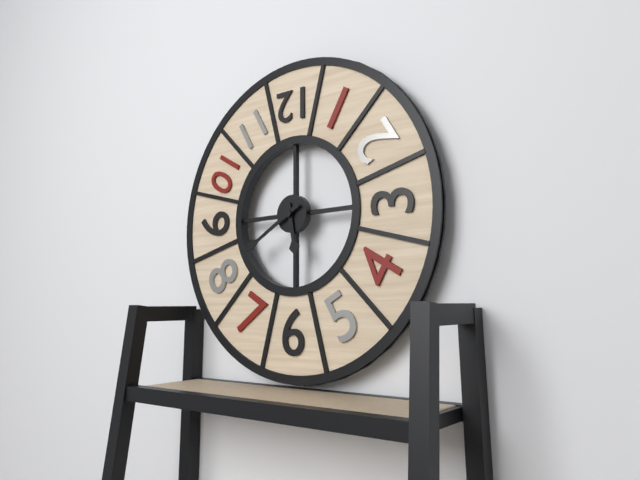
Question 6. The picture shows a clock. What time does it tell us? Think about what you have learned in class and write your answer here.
5:40
